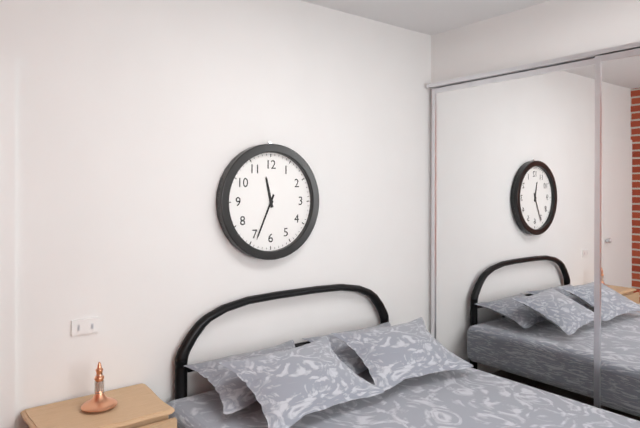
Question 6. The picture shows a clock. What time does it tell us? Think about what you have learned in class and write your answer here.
11:34
